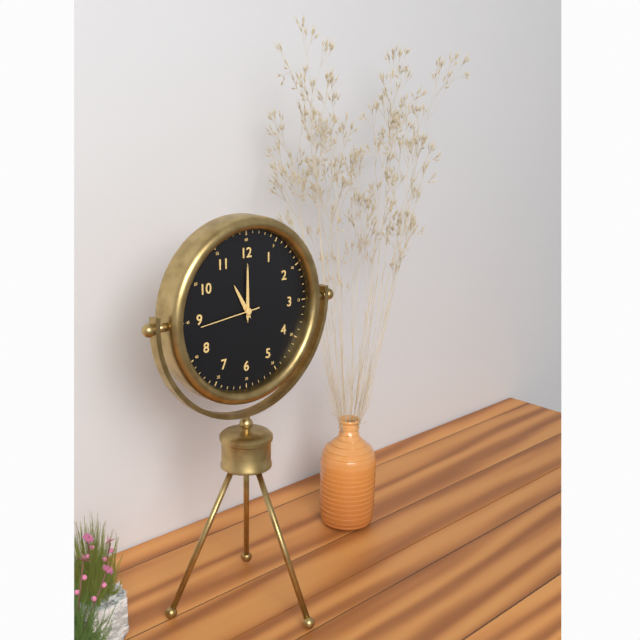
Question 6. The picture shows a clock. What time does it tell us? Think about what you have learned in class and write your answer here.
11:00:44
